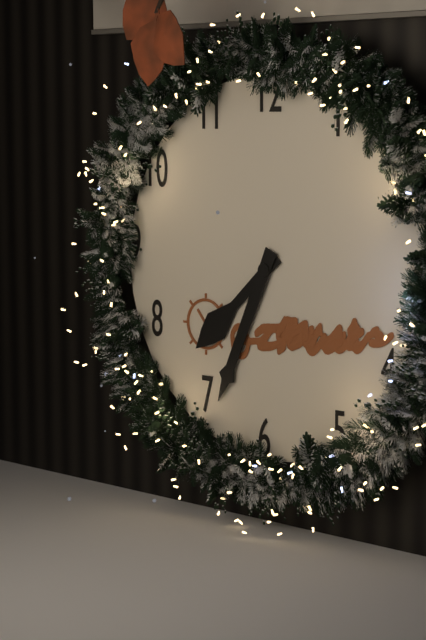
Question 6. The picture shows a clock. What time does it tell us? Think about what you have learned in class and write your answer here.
7:34
